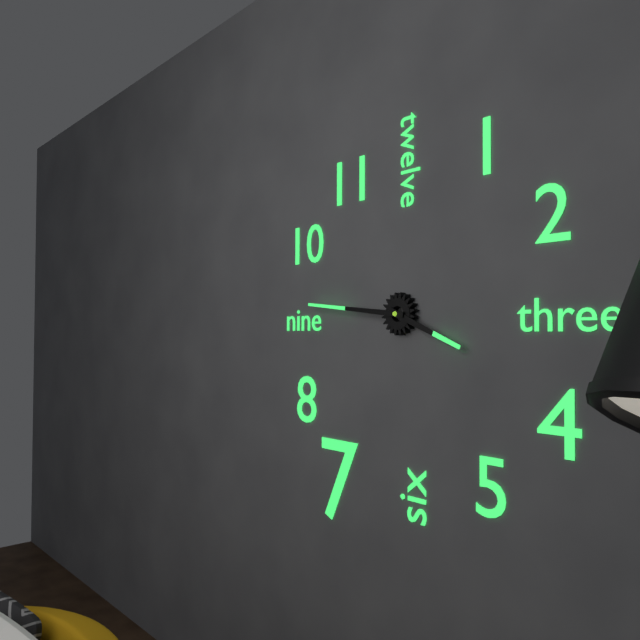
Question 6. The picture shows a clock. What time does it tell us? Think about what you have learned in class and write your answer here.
3:46
